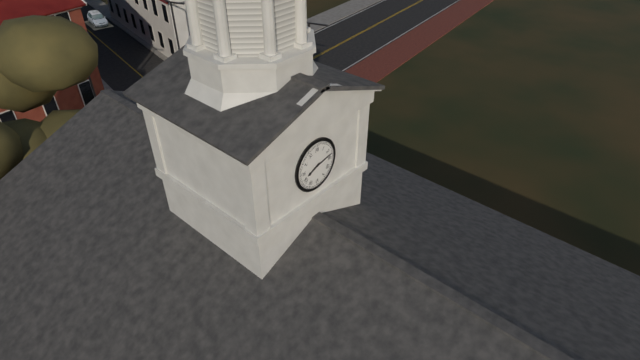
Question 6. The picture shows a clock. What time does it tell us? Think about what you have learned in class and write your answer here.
8:13
